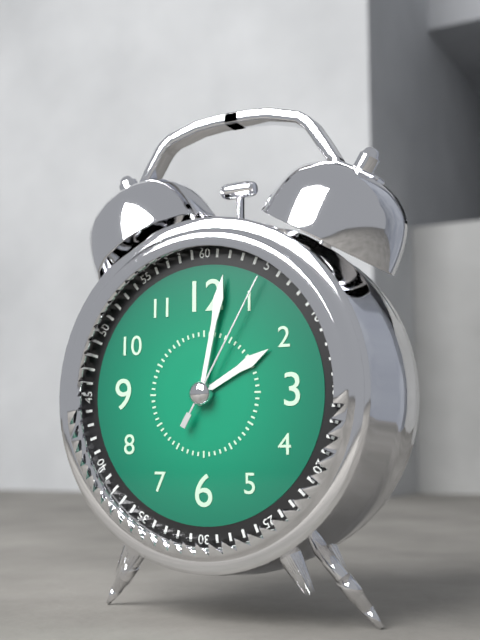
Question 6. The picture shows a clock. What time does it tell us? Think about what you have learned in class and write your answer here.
2:02:05
